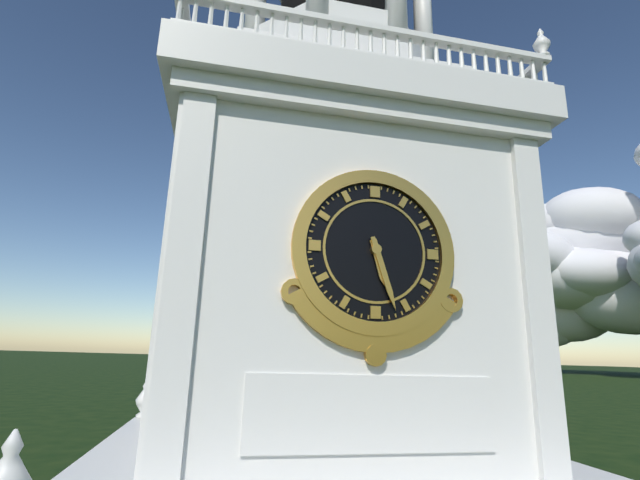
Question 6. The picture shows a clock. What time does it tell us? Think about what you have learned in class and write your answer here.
5:27
